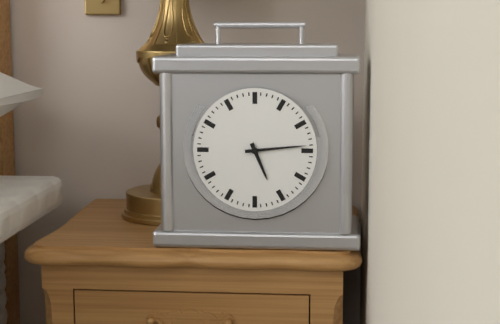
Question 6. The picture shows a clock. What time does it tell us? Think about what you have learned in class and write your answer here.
5:14
